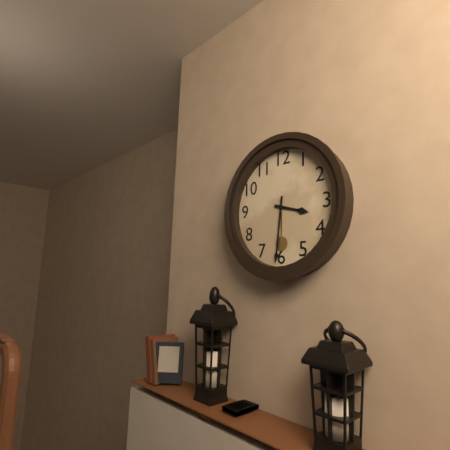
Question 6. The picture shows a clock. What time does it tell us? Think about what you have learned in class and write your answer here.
3:31
